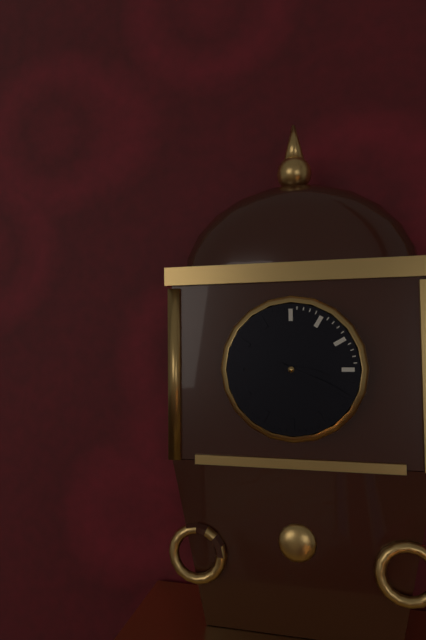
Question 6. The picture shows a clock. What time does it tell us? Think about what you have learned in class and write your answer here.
3:19
